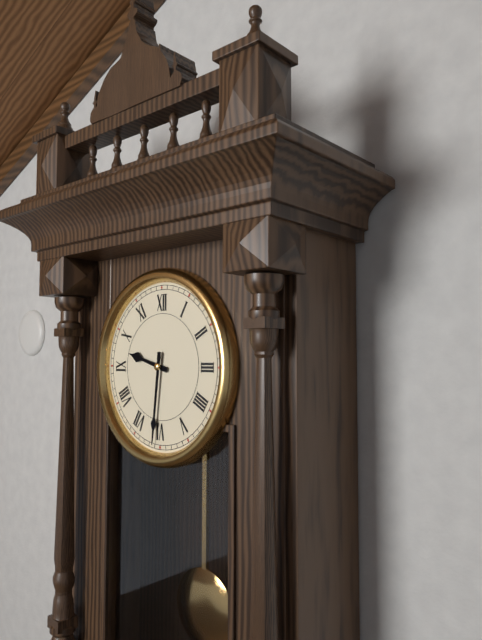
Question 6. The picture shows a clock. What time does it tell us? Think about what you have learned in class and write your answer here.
9:31
